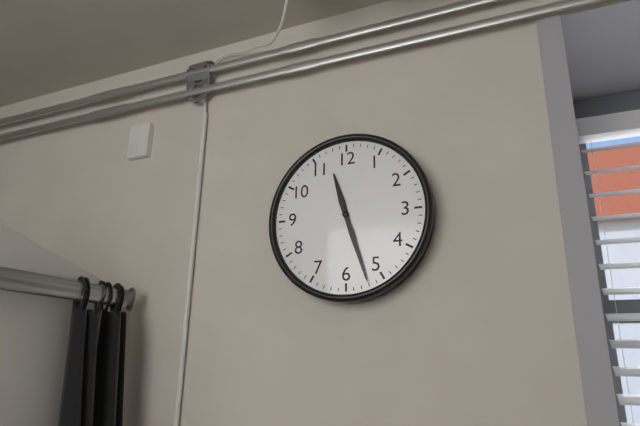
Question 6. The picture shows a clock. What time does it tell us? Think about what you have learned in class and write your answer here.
11:27
